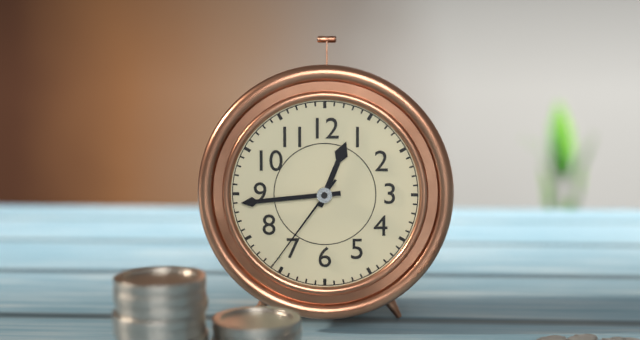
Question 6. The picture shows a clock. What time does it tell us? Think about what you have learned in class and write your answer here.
12:44:36
